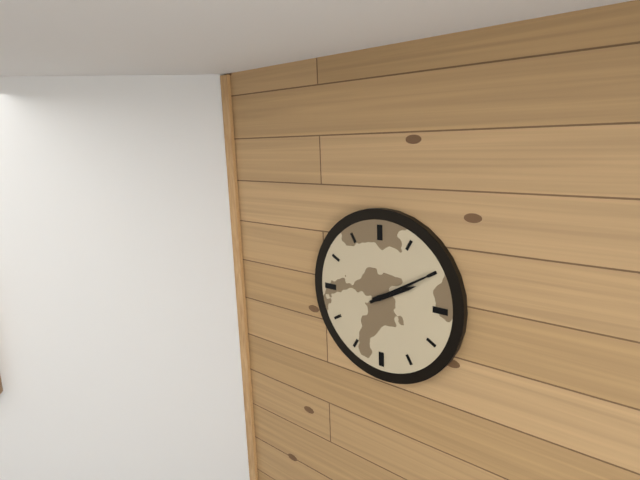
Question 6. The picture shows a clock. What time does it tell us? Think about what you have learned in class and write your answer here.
2:10
